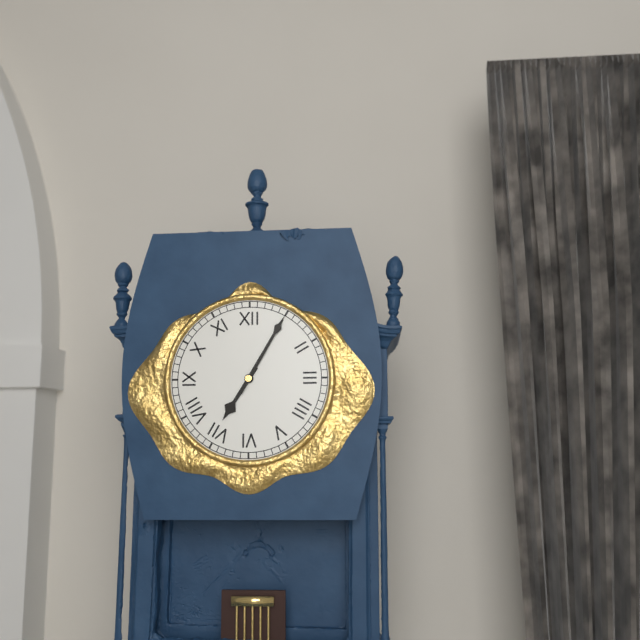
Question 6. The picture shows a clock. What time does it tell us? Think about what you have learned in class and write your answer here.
7:05
